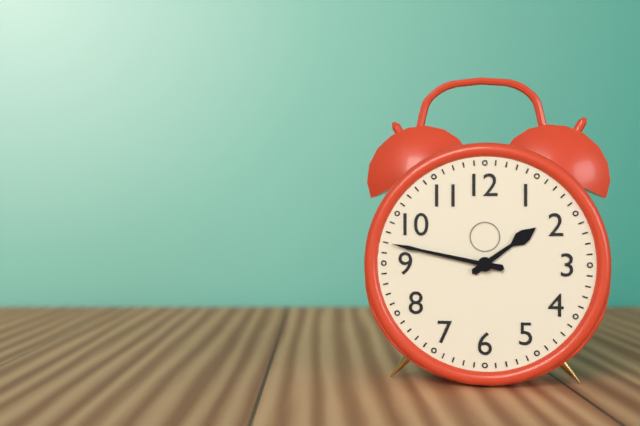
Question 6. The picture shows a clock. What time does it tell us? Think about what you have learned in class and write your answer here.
1:47
